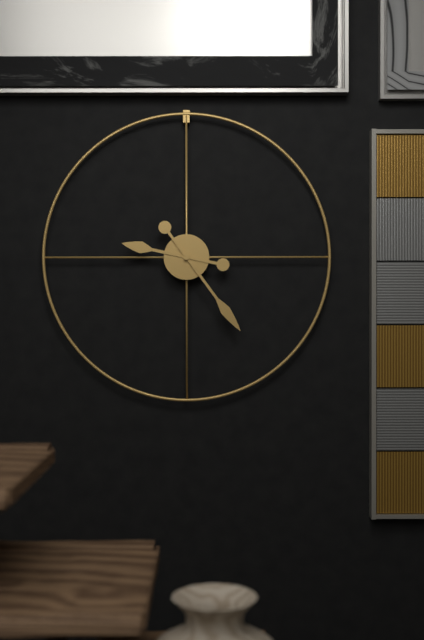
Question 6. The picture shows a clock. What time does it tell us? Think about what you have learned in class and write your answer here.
9:24
